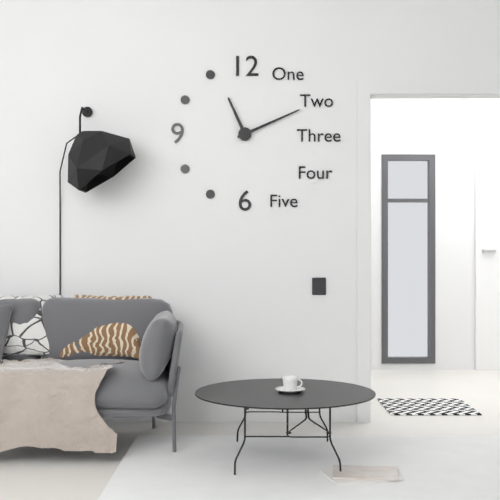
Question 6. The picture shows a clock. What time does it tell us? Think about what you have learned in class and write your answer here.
11:11
